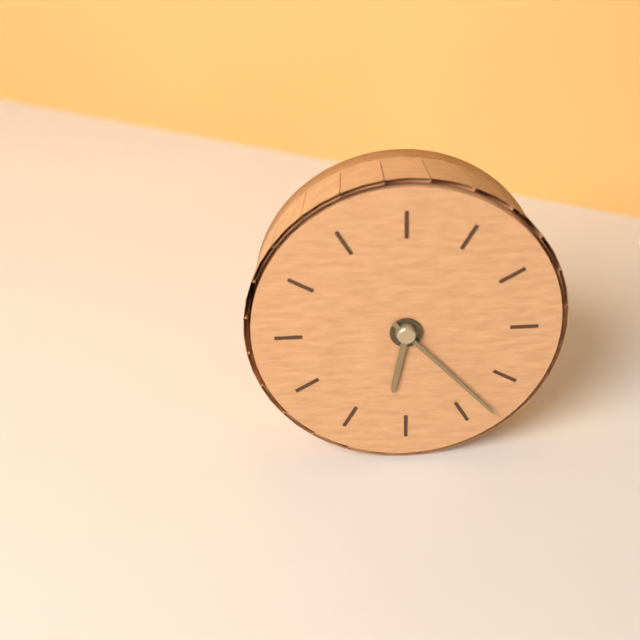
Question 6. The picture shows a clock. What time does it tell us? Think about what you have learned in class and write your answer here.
6:23
